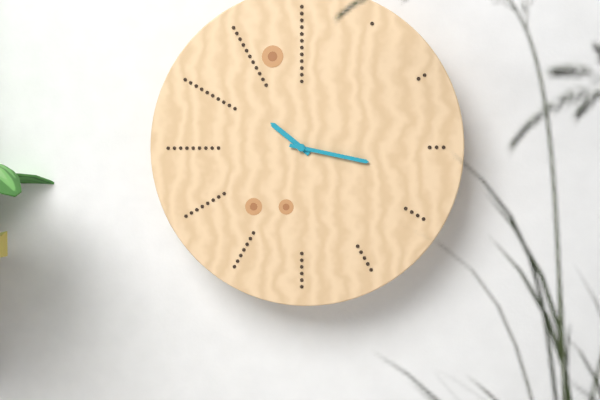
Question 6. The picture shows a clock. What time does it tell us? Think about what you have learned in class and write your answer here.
10:17
